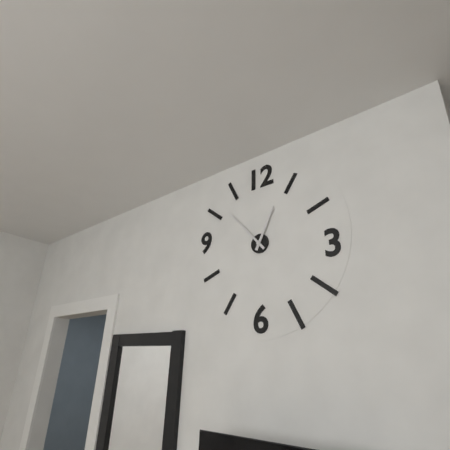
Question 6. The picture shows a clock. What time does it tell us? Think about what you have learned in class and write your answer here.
12:53
